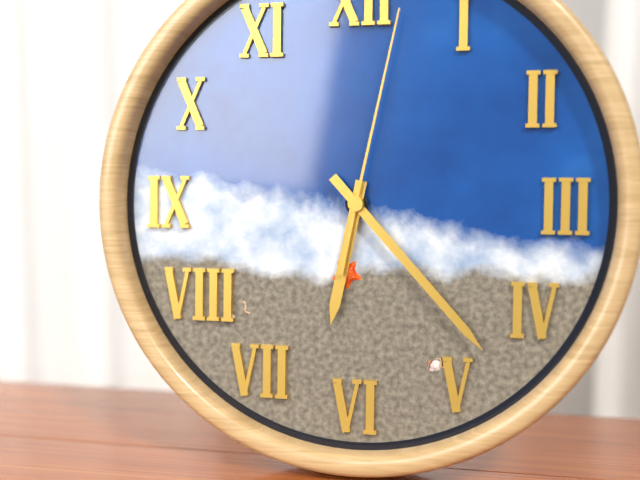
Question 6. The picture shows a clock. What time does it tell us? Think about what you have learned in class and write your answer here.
6:23:02
